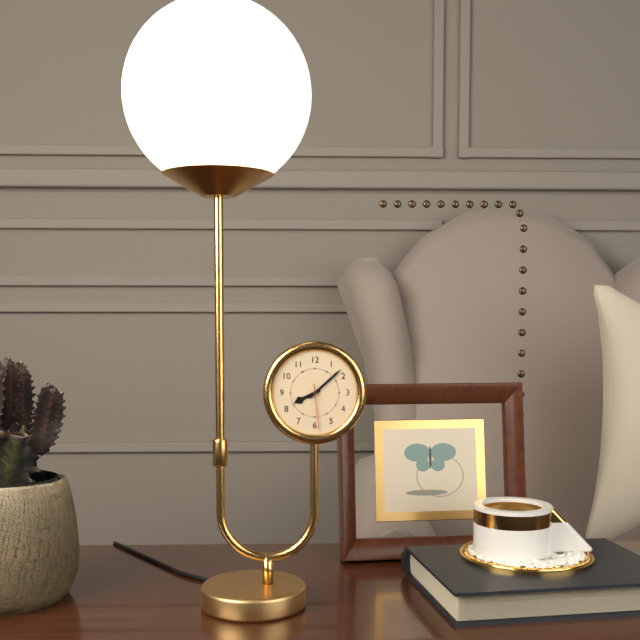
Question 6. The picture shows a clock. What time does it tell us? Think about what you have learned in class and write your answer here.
8:08
